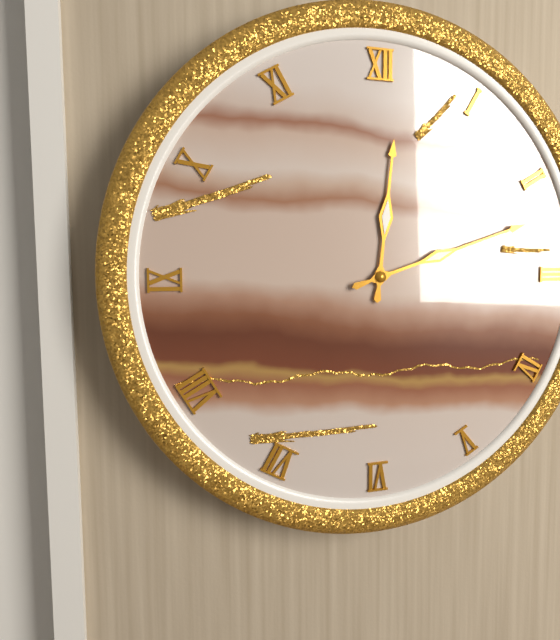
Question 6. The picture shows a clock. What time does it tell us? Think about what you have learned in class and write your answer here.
12:12
